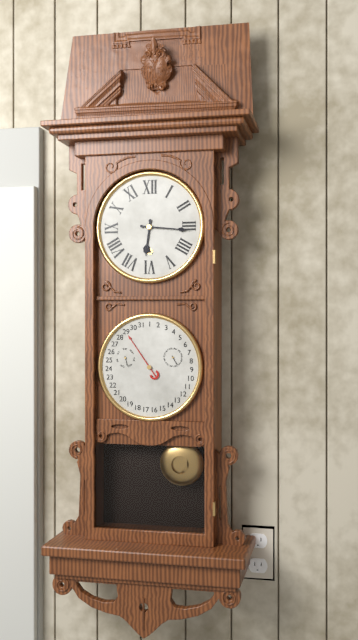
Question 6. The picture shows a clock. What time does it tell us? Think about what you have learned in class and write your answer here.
6:16
